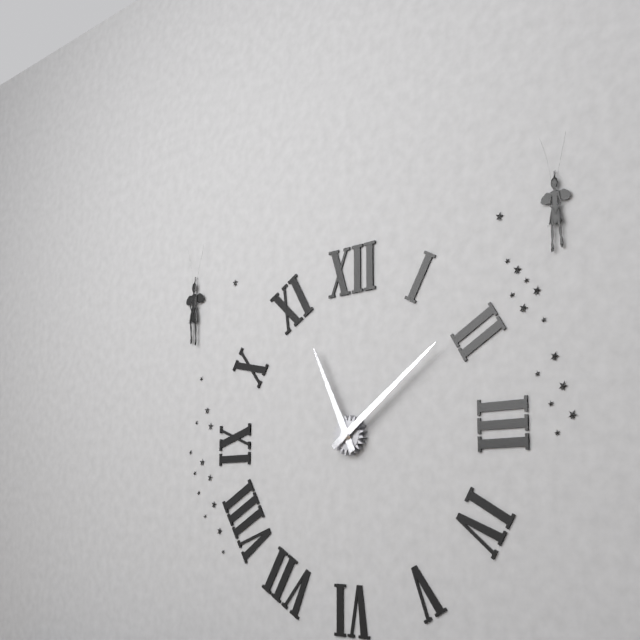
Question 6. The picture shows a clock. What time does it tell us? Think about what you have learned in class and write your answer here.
11:09
